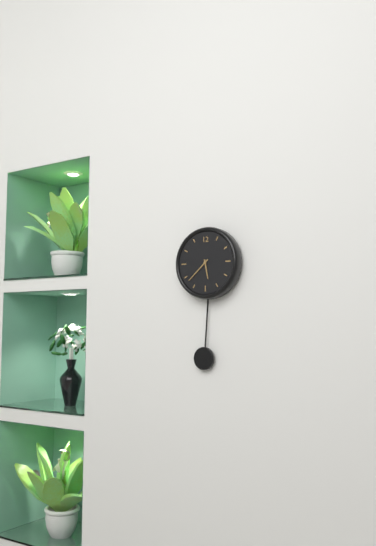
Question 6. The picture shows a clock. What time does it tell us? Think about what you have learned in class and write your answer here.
5:38
